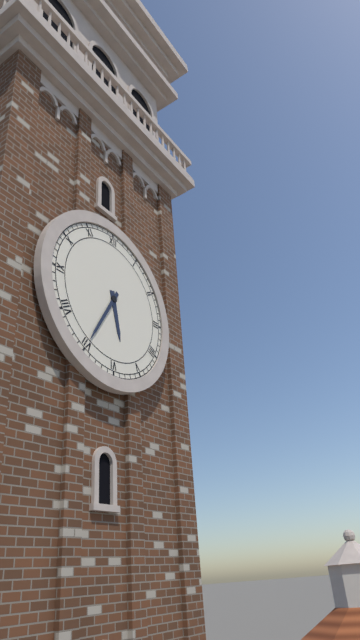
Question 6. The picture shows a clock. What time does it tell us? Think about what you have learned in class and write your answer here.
5:35
